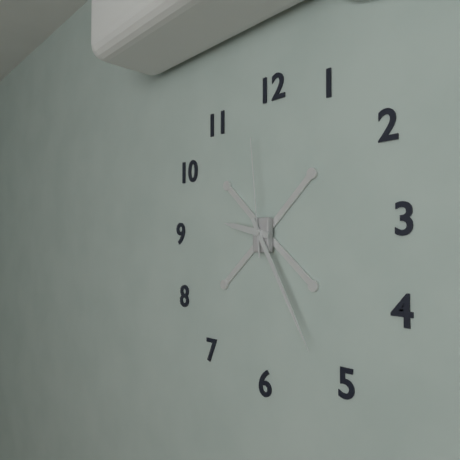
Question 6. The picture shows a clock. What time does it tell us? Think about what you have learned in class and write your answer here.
9:25:59
